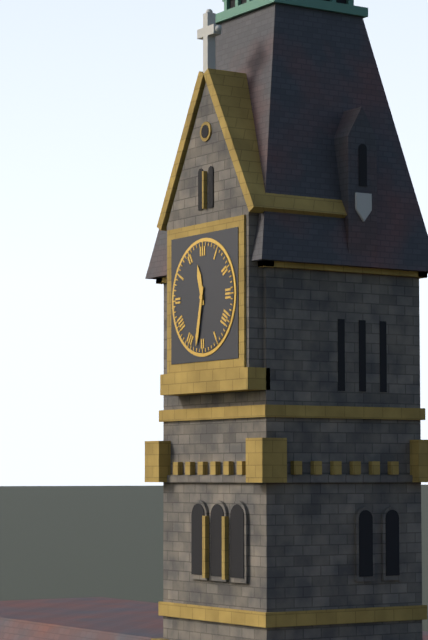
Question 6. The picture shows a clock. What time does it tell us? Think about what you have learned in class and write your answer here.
11:32
